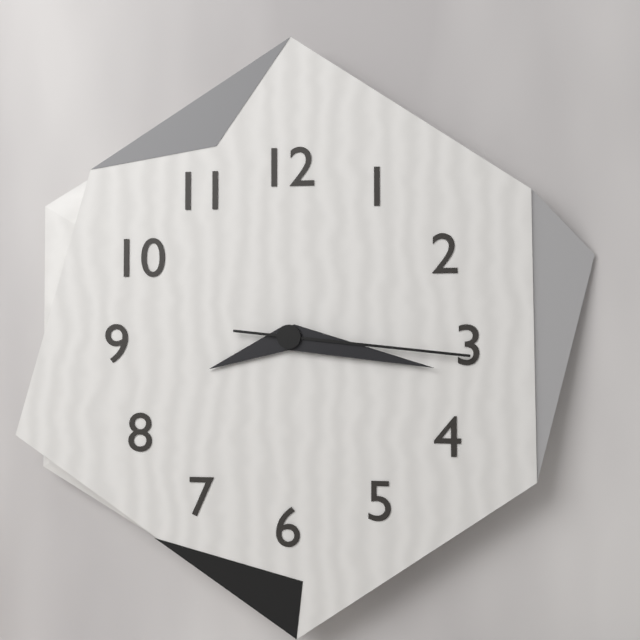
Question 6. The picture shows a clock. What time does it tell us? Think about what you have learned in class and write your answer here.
8:17:16
